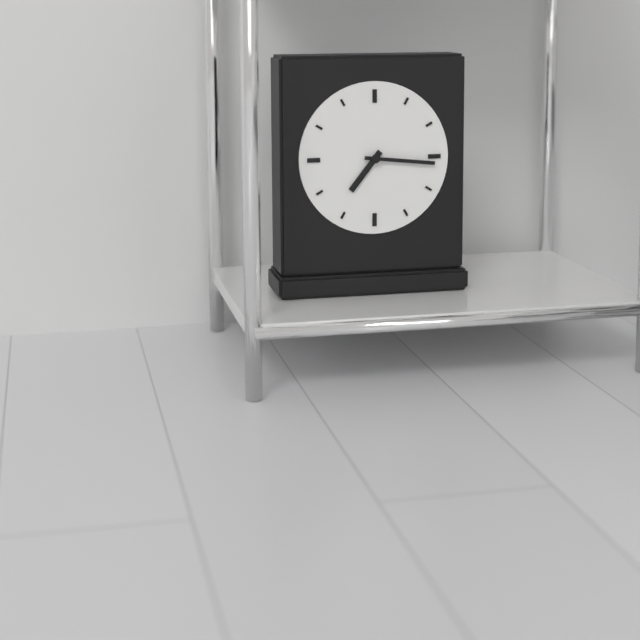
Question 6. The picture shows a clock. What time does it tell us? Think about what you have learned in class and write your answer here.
7:16
